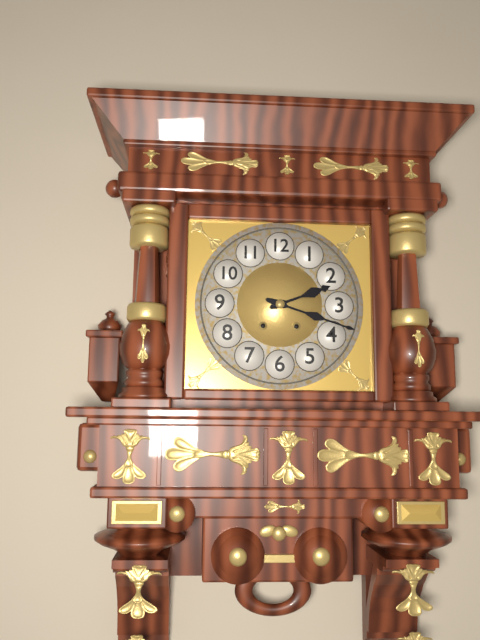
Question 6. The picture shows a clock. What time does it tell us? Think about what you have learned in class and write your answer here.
2:18
